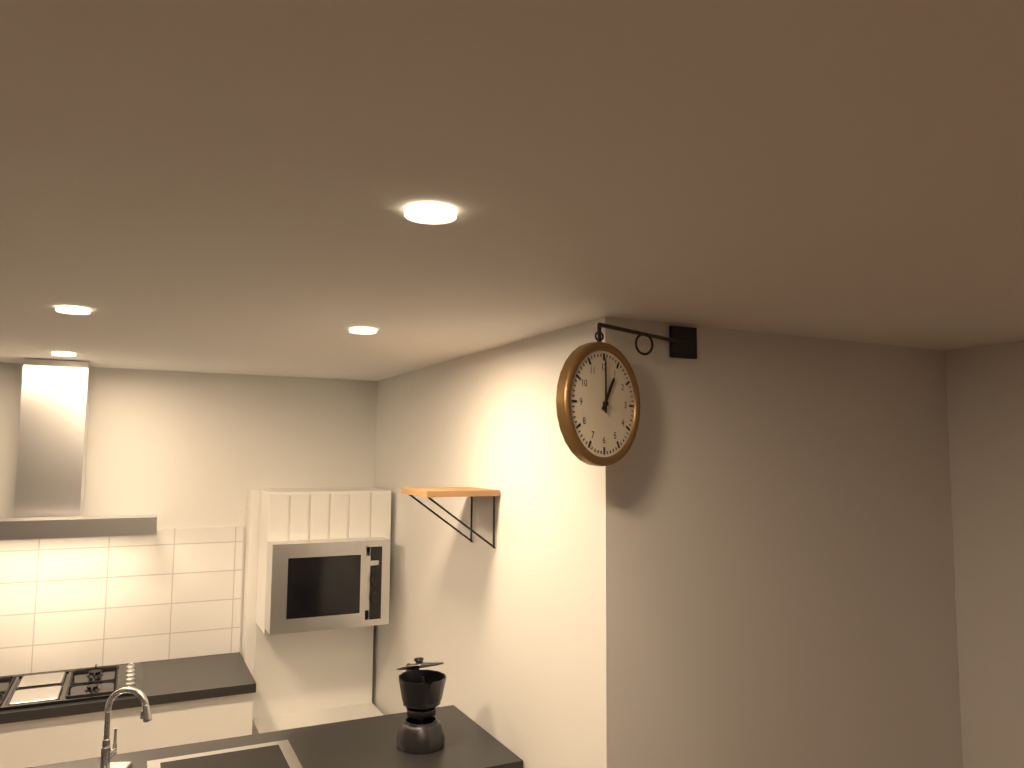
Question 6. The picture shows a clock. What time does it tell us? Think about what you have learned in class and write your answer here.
1:00
